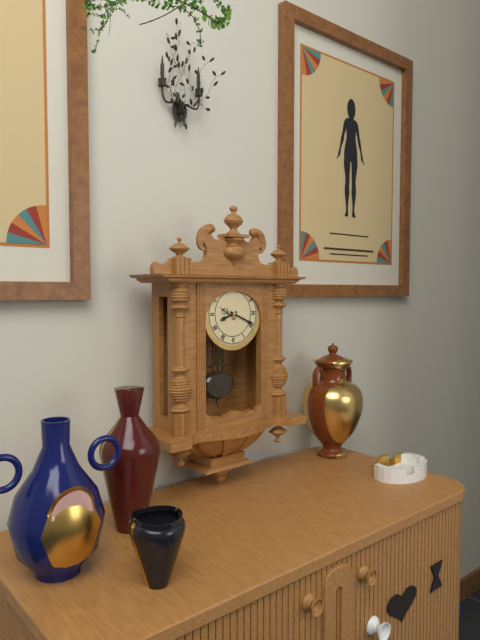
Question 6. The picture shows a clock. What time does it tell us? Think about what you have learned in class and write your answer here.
8:19
